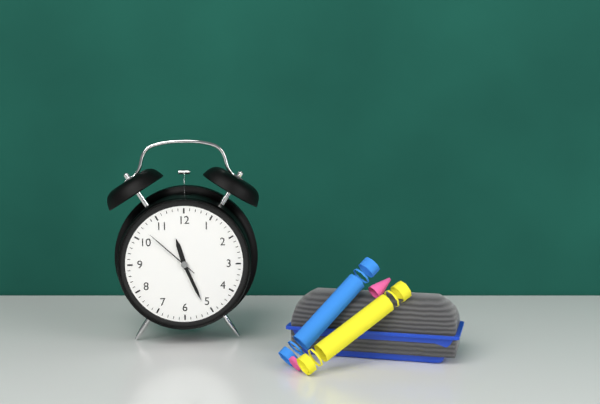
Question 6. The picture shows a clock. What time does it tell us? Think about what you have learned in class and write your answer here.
11:26:52
